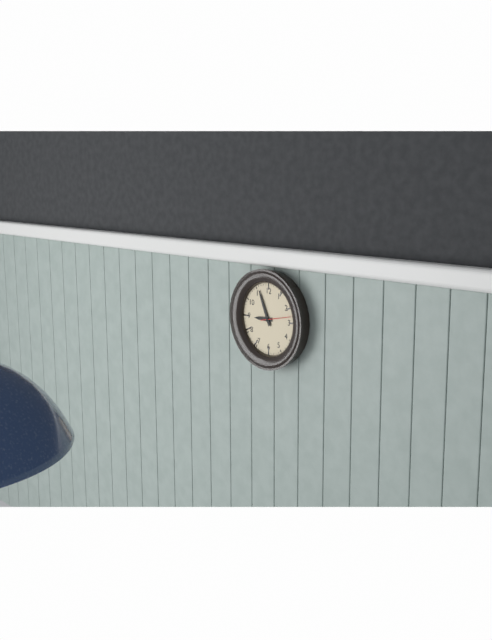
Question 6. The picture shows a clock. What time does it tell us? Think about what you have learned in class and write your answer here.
8:56
